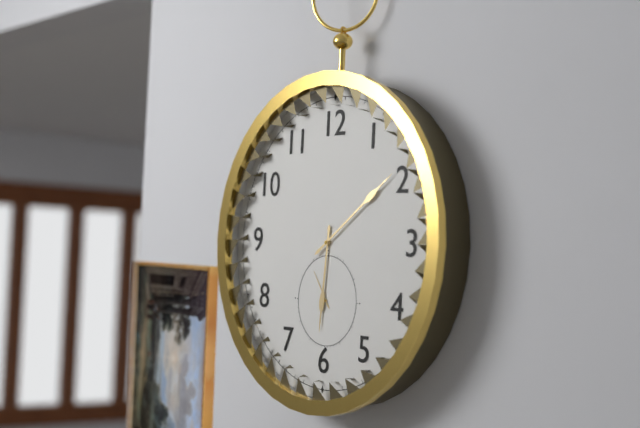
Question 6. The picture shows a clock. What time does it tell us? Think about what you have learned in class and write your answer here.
6:09
